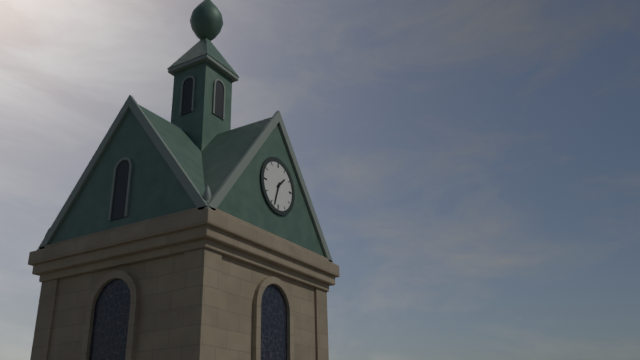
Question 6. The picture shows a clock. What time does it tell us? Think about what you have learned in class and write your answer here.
1:33
